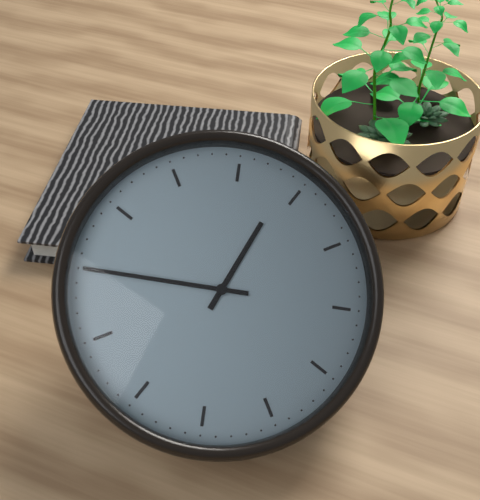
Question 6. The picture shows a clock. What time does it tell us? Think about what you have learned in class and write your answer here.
12:45
